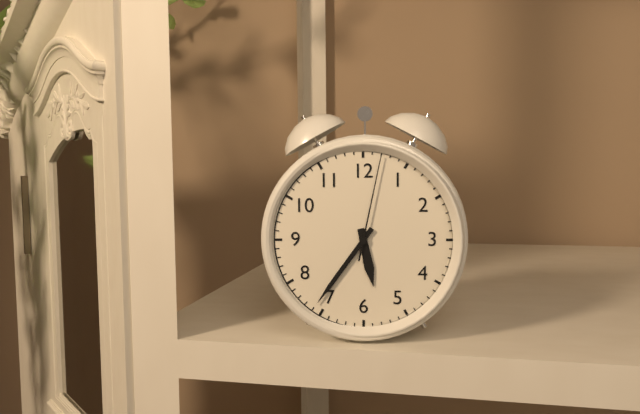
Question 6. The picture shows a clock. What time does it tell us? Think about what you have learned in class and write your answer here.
5:36:02
